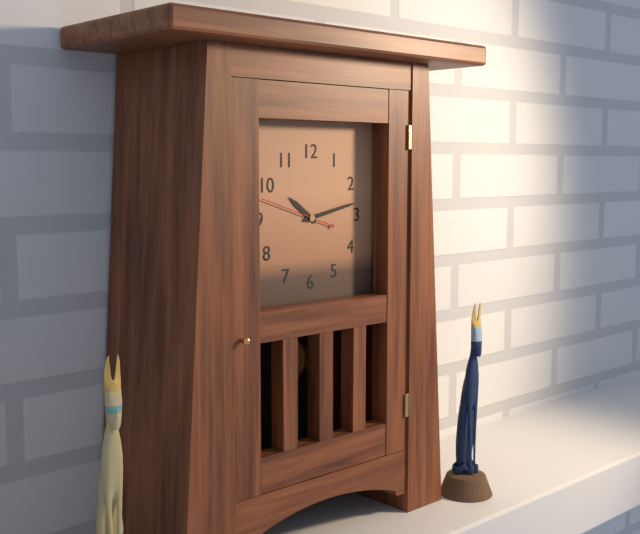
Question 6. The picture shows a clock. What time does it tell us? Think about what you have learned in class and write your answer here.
10:13:48
